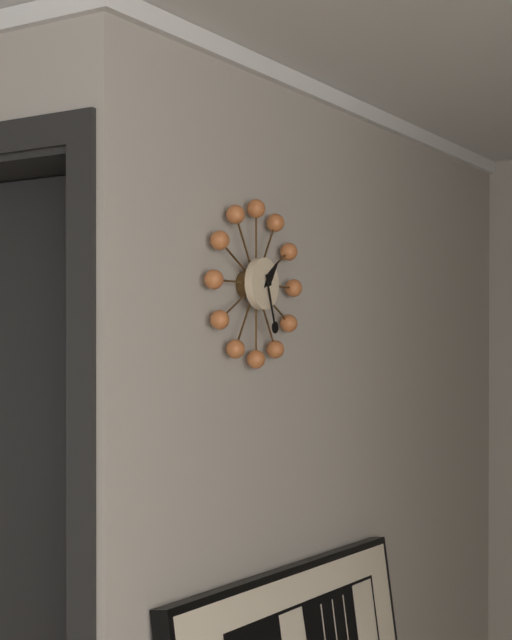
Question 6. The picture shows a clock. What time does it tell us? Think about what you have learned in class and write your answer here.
1:27
